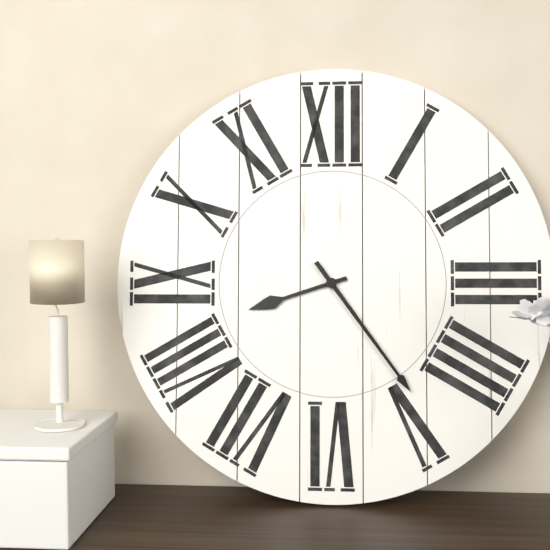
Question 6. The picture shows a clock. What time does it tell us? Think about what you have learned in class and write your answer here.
8:24
